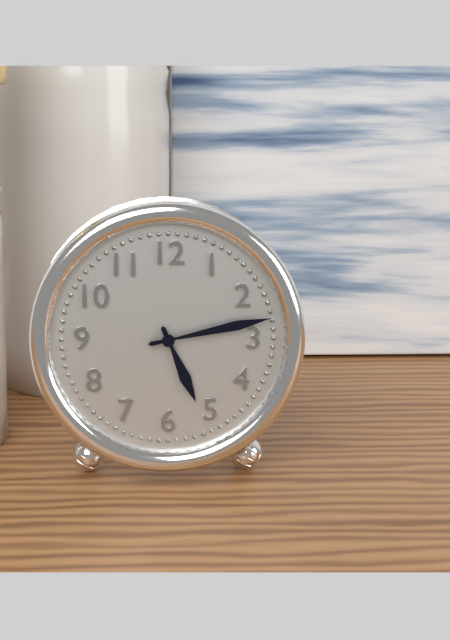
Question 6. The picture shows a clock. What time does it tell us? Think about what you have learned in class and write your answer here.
5:13
